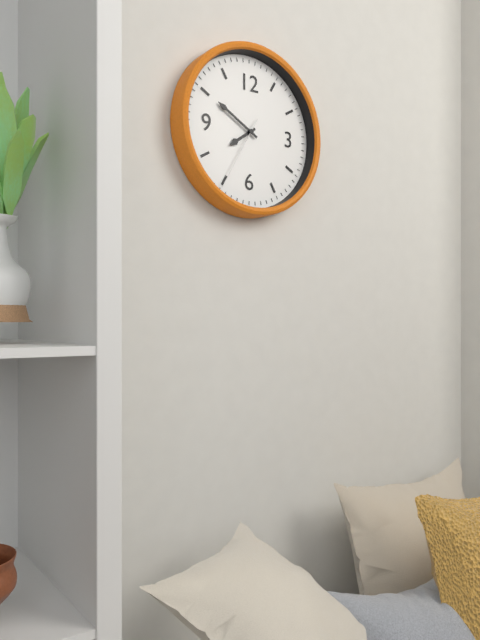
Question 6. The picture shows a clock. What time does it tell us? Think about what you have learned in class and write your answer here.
7:50:35
